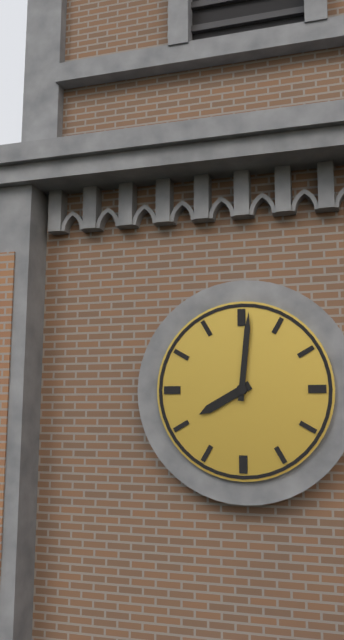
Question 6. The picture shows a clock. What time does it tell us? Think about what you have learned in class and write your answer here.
8:01
